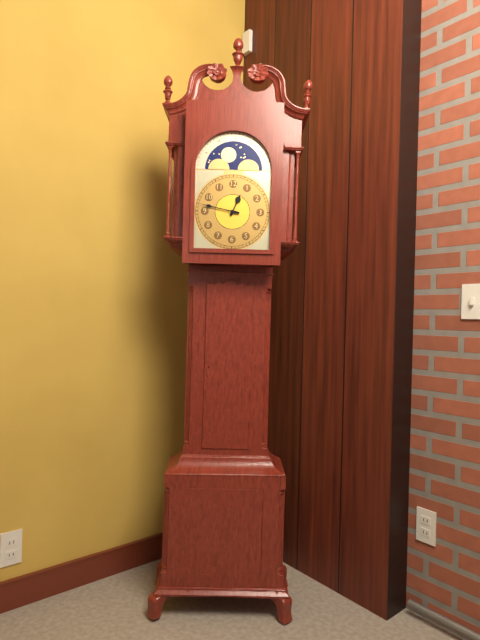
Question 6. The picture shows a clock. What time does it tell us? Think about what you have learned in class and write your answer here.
12:47
